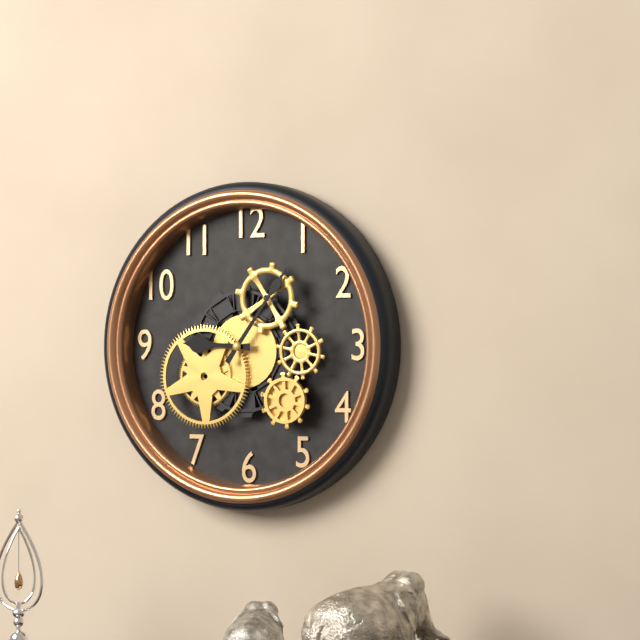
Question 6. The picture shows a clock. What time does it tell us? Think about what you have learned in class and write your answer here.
9:06
